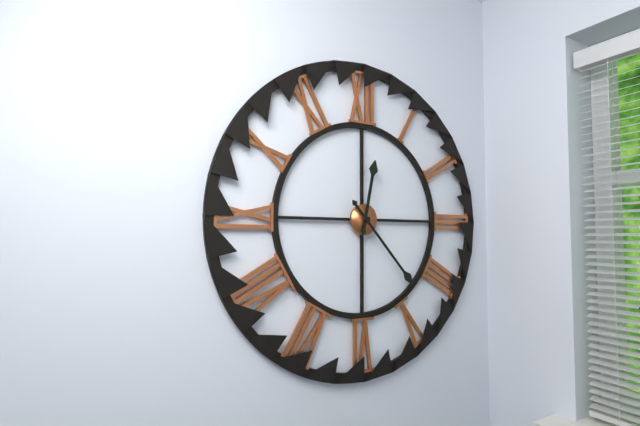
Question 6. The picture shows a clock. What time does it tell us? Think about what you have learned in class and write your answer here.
12:23
